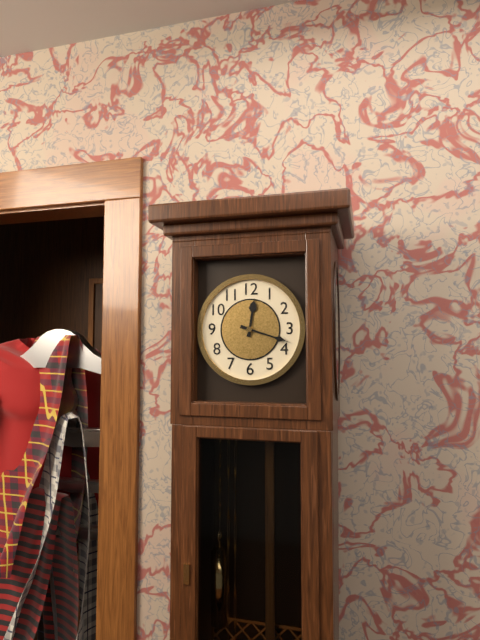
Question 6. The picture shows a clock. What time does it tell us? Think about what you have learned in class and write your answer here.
12:18
